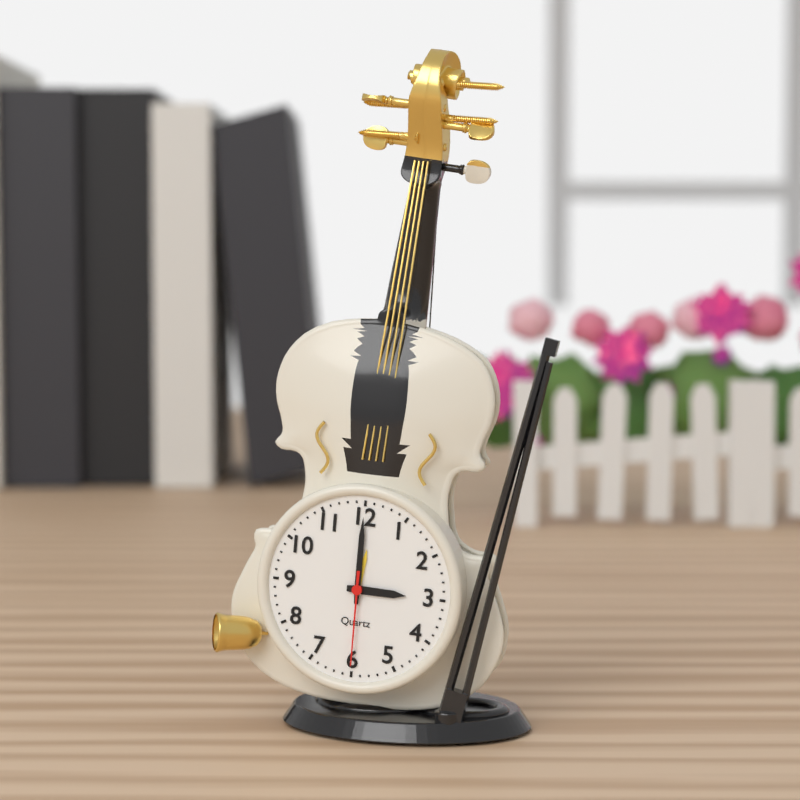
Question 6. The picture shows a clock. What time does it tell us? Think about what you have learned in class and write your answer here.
3:00:30
